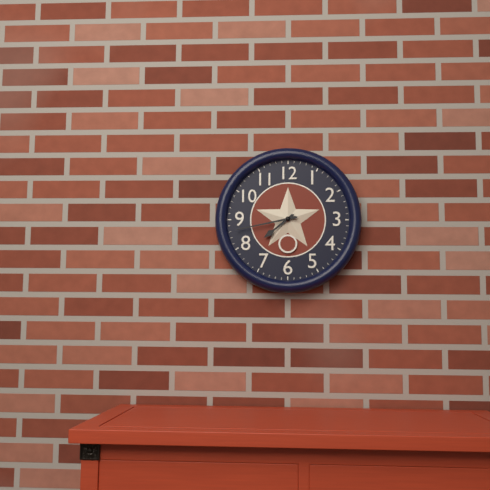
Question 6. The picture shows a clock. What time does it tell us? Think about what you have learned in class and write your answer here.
7:43
